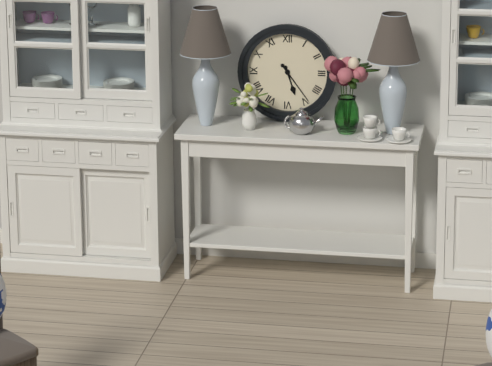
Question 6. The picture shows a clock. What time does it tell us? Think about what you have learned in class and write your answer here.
5:24
